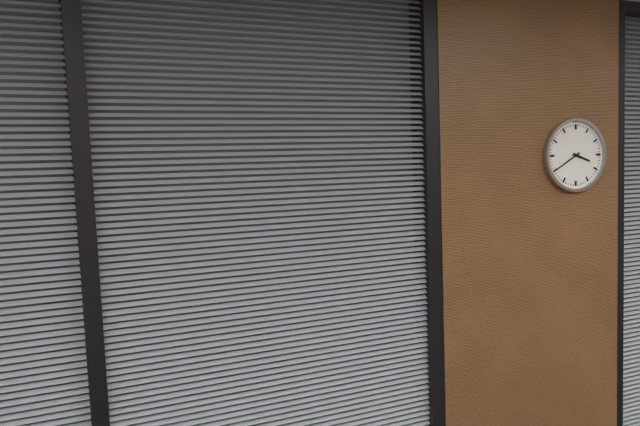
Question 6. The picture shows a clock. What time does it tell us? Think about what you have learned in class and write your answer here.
3:40
